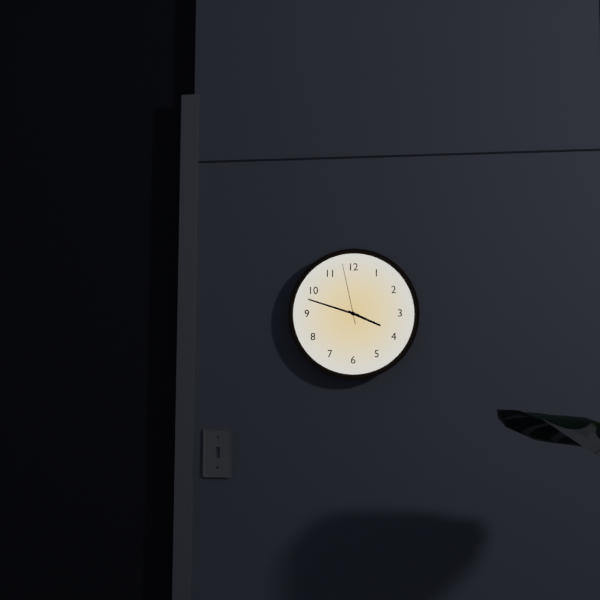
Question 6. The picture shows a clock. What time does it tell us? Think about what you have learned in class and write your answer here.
3:48:58
